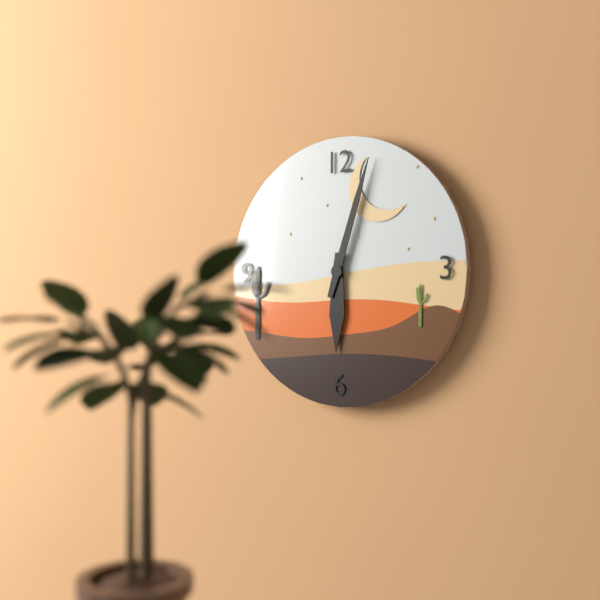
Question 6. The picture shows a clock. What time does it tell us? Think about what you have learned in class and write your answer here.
6:03
